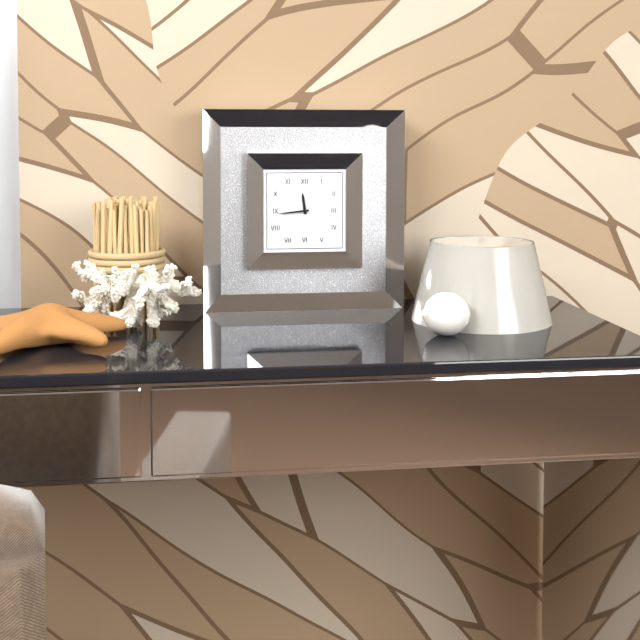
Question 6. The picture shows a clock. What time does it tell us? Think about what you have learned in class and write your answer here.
11:44
